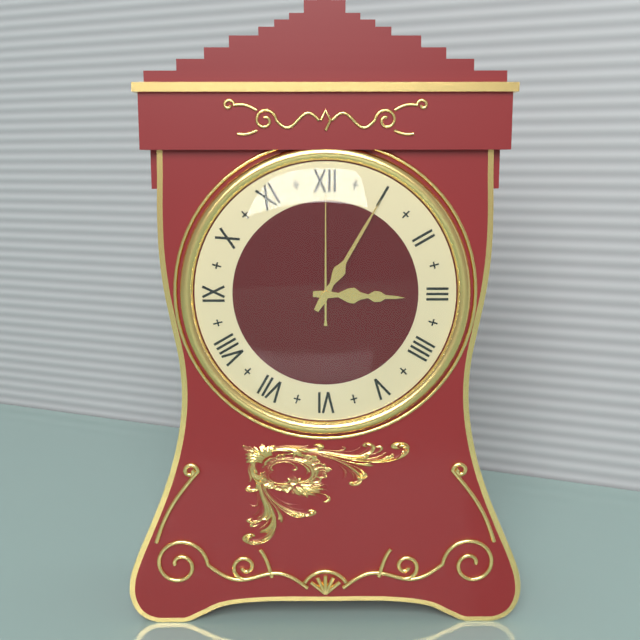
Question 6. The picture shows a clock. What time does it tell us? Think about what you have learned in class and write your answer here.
3:05:00
